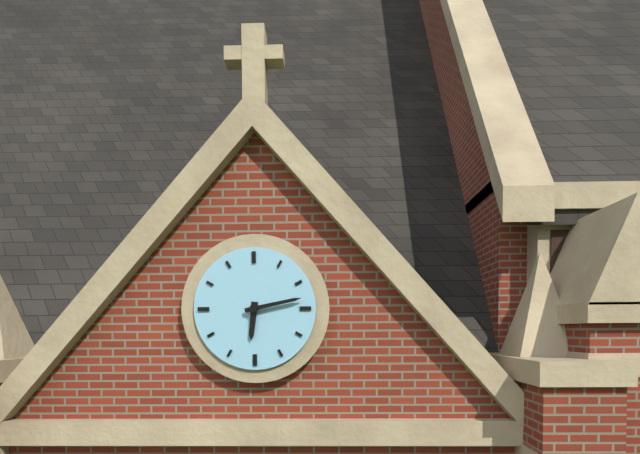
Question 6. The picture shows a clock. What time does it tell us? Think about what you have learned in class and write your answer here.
6:13
